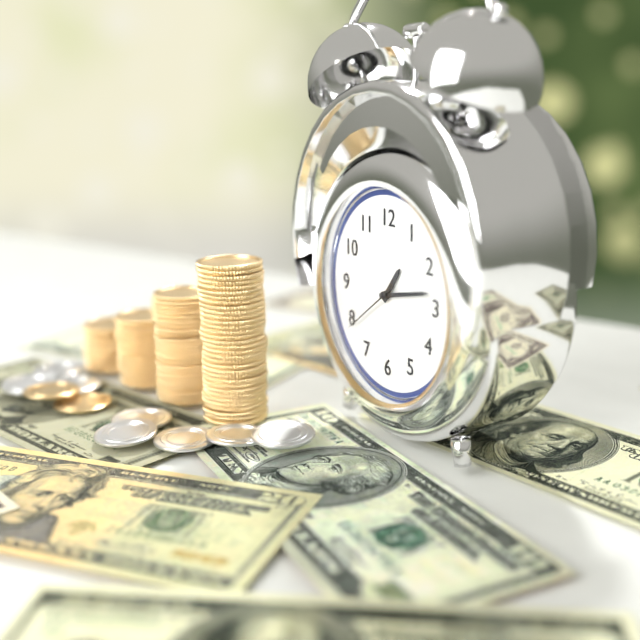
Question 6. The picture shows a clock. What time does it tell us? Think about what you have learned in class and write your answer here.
1:13:39
